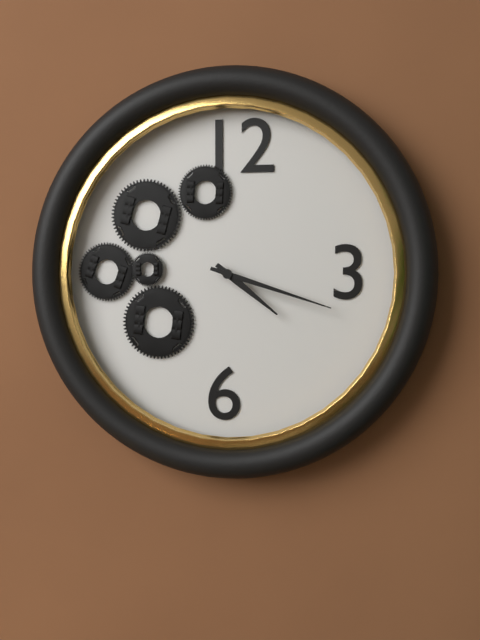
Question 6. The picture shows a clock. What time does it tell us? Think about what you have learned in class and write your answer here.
4:18
